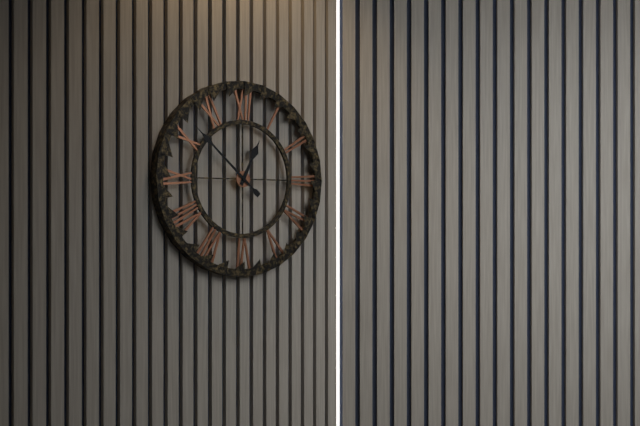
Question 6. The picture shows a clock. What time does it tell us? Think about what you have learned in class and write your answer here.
12:52
